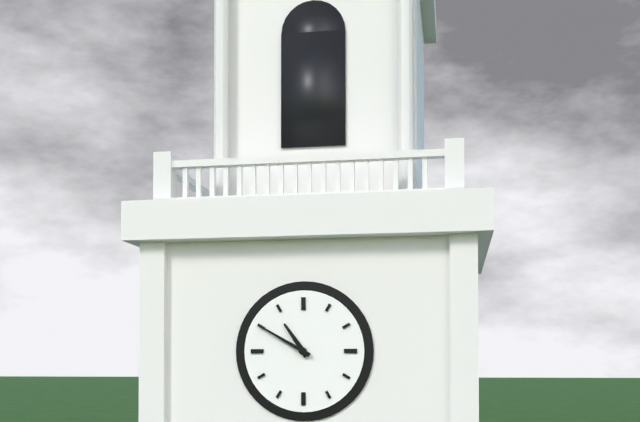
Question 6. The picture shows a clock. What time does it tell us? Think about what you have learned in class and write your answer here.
10:50
